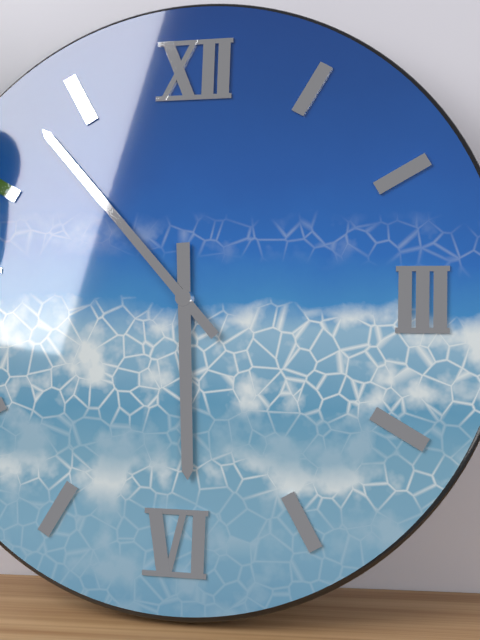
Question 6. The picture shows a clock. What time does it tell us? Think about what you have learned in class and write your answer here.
5:53
